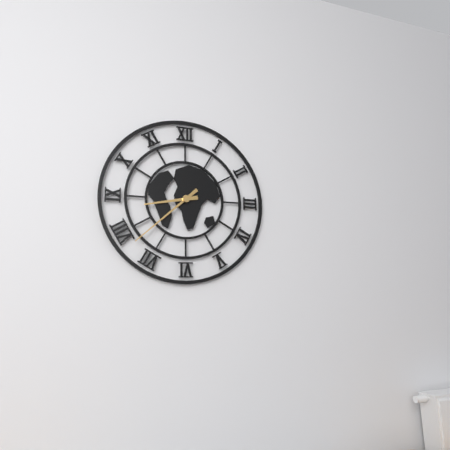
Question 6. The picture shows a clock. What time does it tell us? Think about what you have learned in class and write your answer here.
8:38
